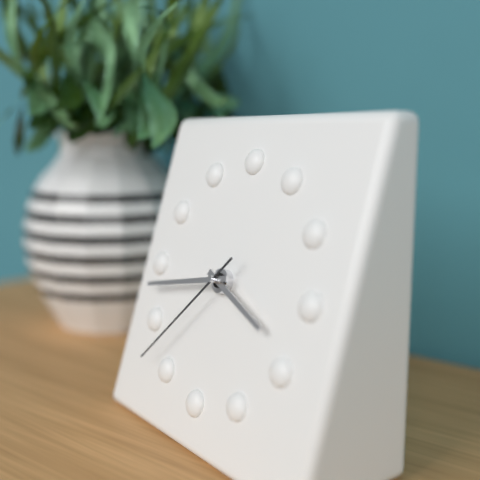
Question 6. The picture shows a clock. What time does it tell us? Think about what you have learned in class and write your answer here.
3:43:37
